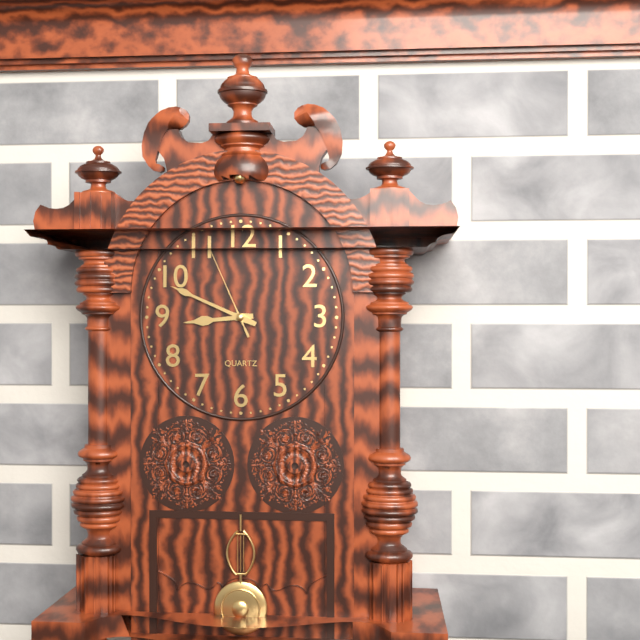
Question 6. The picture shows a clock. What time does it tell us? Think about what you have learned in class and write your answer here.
8:49:56
